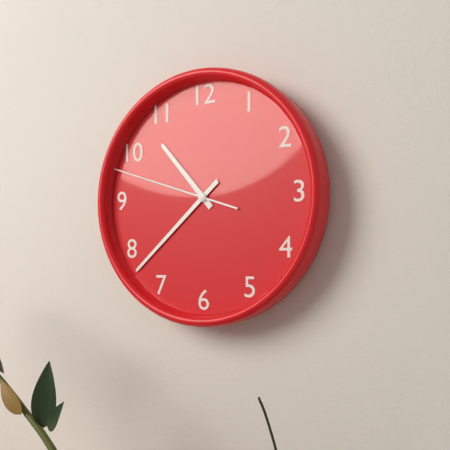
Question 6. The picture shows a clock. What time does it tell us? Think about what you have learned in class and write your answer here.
10:38:48
